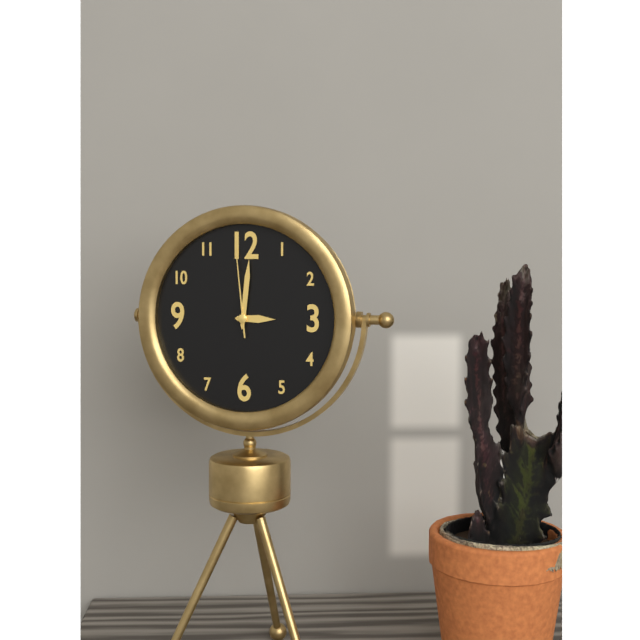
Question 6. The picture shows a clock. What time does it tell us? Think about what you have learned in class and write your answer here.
3:01:59
